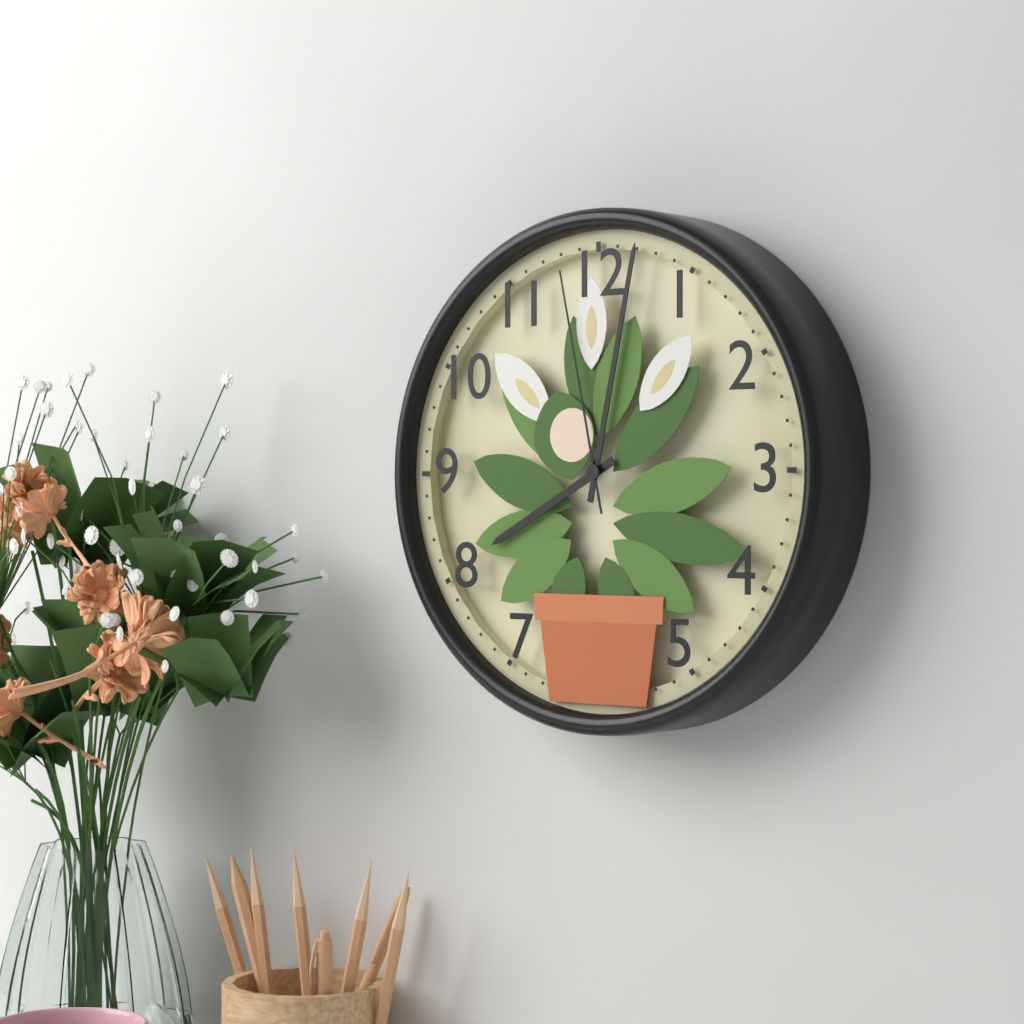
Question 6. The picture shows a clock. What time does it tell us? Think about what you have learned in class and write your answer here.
8:02:58
